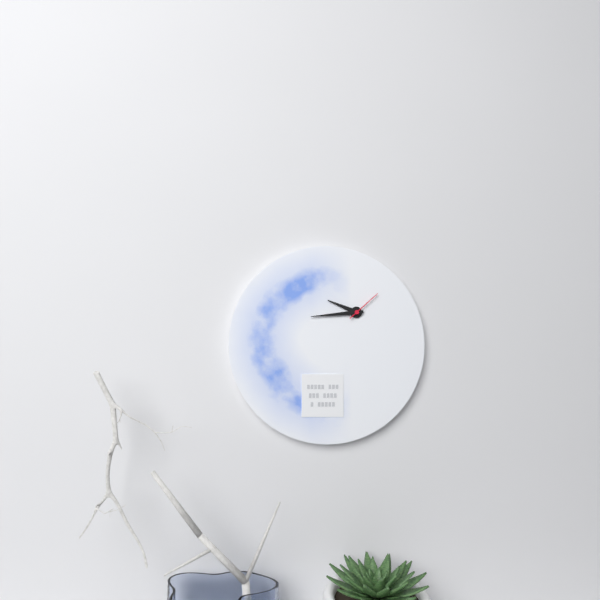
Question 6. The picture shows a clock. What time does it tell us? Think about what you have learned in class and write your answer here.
9:44
